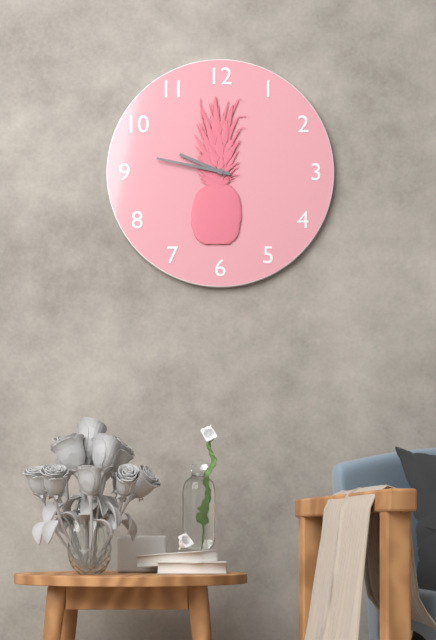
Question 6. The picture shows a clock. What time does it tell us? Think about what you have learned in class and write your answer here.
9:47
